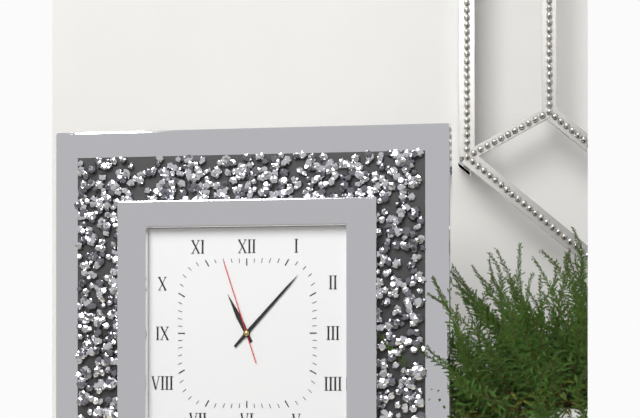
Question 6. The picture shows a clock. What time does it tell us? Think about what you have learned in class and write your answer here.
11:07:57
